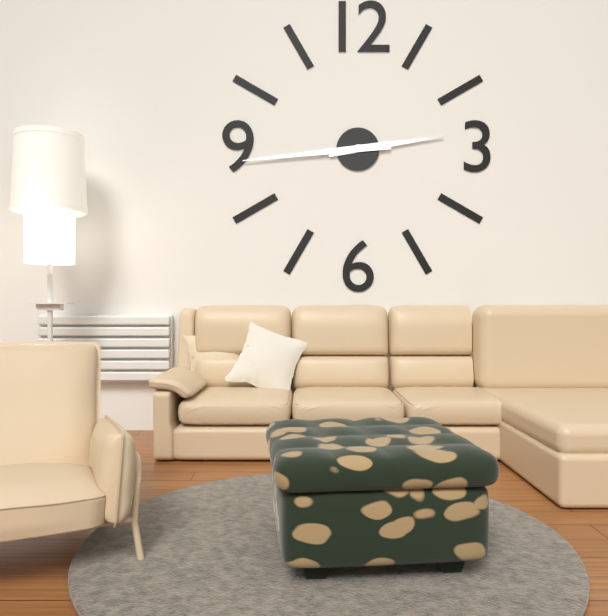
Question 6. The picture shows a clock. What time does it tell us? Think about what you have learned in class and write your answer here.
2:44
